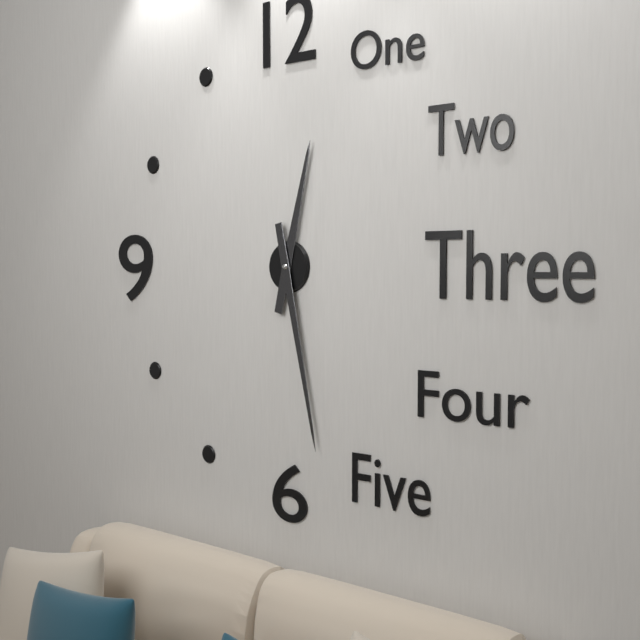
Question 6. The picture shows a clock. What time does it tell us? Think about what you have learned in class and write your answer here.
12:28
